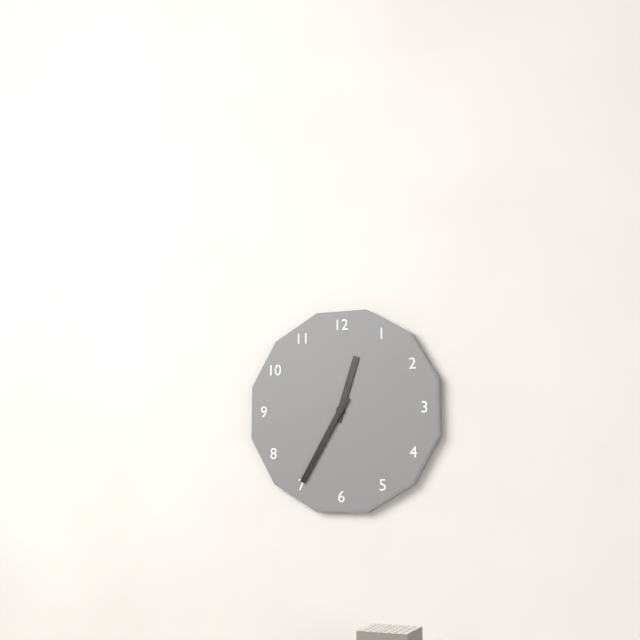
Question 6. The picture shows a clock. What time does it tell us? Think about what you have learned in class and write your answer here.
12:35
